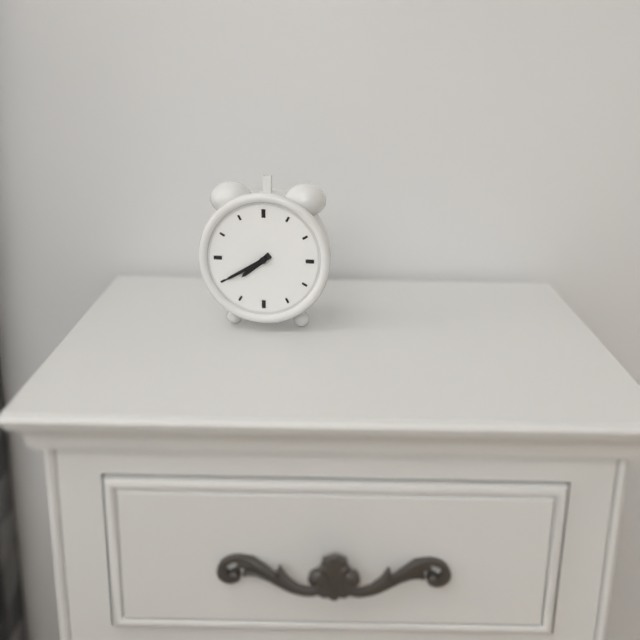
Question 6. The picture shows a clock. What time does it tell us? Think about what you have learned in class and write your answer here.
7:40
